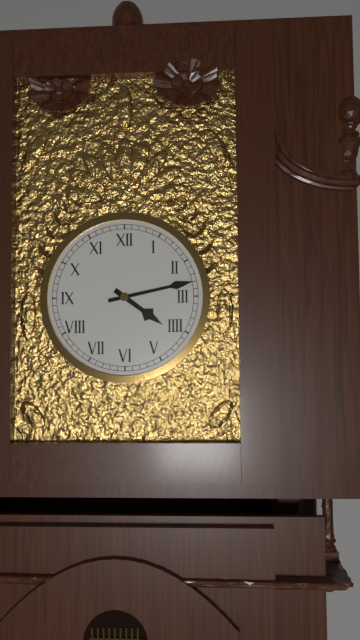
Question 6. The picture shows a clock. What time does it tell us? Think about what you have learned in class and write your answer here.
4:13
